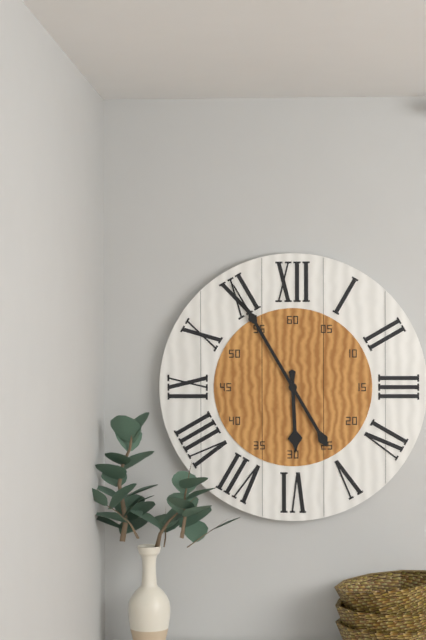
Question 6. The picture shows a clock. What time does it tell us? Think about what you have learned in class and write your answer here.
5:55
